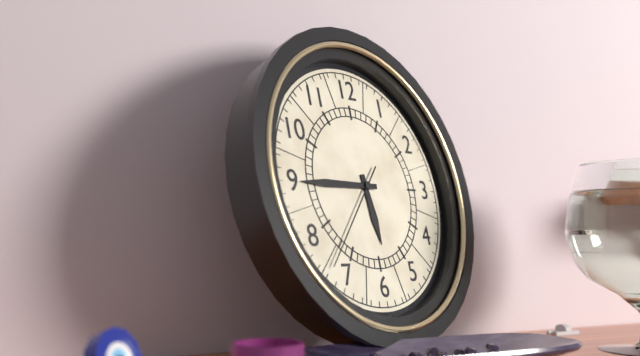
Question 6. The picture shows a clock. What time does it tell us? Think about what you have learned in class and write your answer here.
5:45:37
